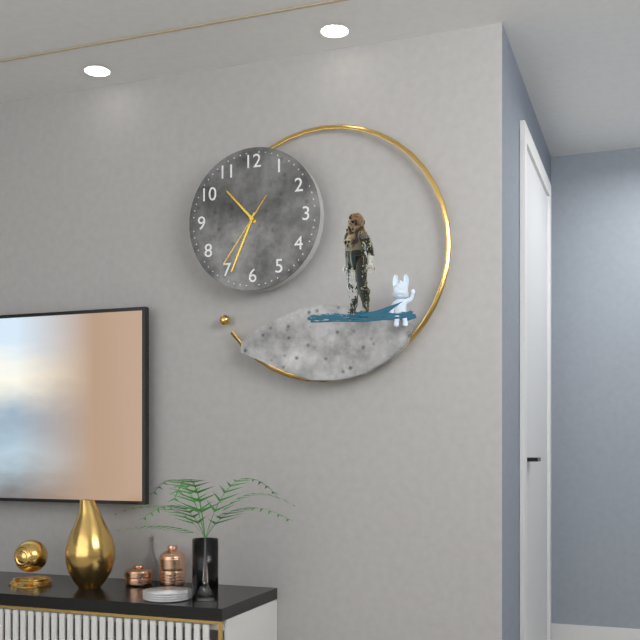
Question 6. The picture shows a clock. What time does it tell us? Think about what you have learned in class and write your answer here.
10:34:36
